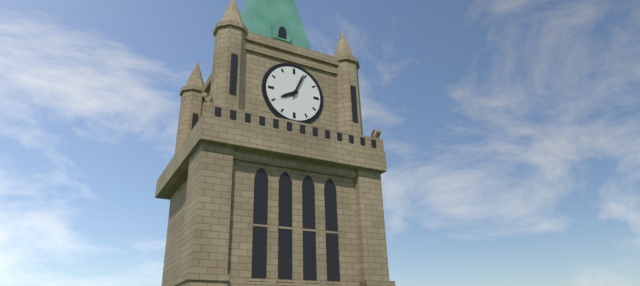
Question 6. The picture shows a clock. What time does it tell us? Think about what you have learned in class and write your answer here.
8:04
